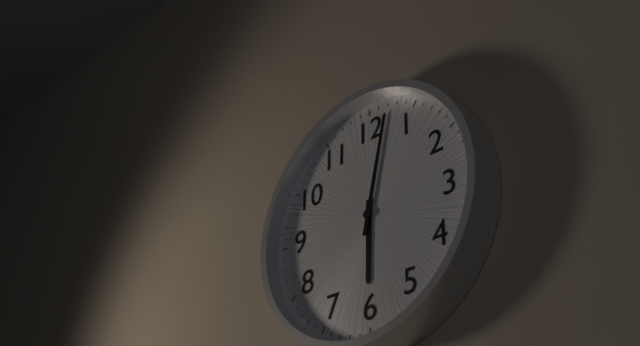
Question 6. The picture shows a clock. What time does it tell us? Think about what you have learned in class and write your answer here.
6:02
